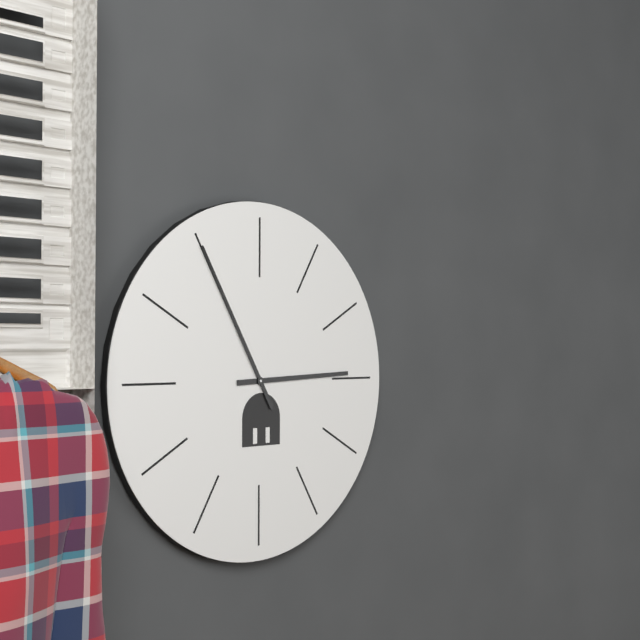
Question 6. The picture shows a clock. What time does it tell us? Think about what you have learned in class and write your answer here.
2:55
